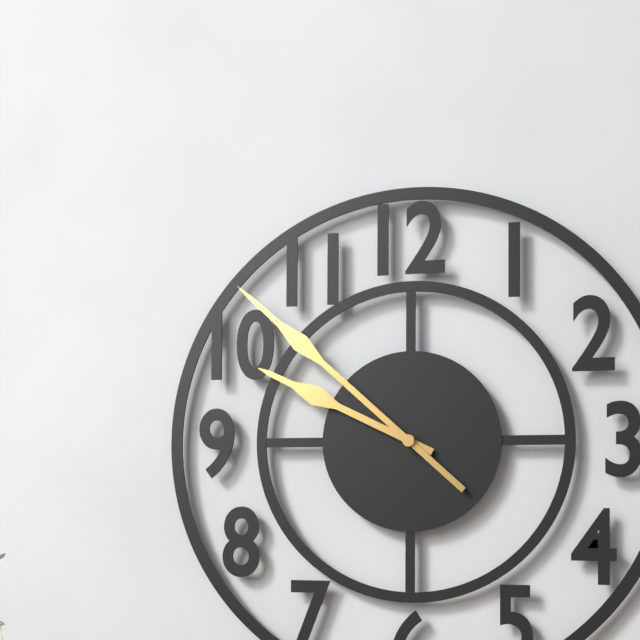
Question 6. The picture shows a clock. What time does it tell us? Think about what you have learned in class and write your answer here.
9:52
